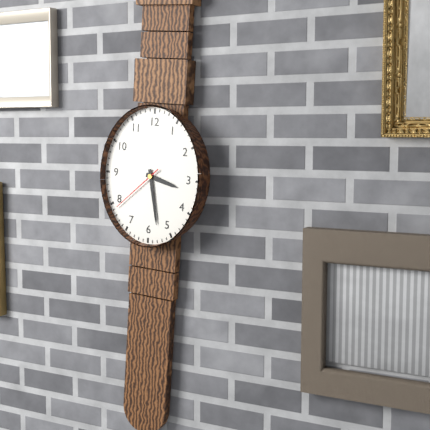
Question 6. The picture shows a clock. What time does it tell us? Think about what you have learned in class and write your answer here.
3:28:38
